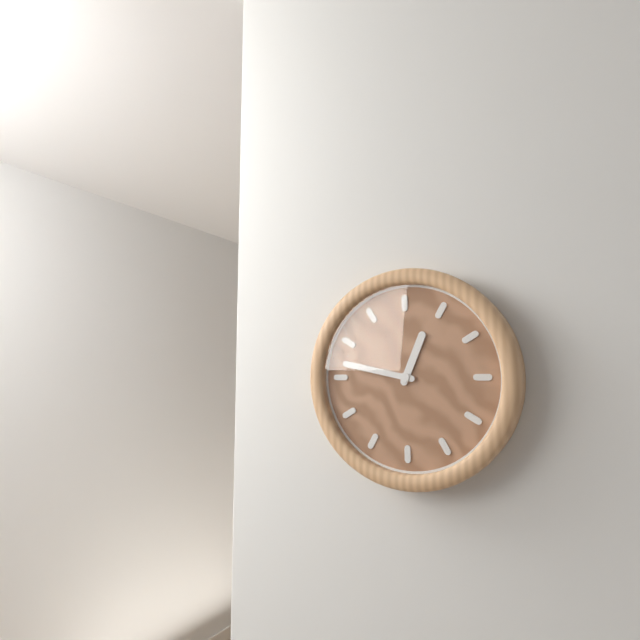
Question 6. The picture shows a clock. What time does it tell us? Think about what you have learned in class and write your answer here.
12:47
